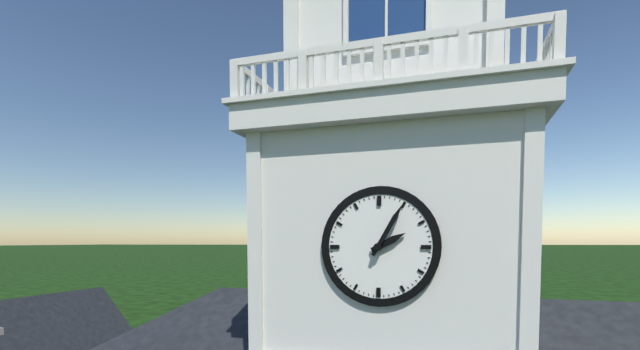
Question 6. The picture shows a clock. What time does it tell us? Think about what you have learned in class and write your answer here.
2:05
